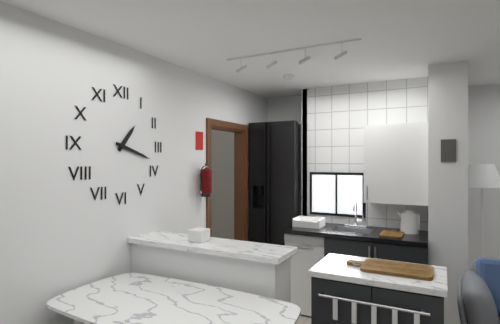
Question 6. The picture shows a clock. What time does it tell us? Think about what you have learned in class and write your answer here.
1:18
